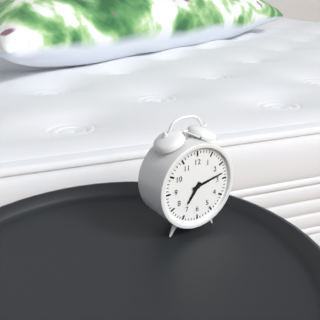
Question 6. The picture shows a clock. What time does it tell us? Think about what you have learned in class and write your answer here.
7:13
